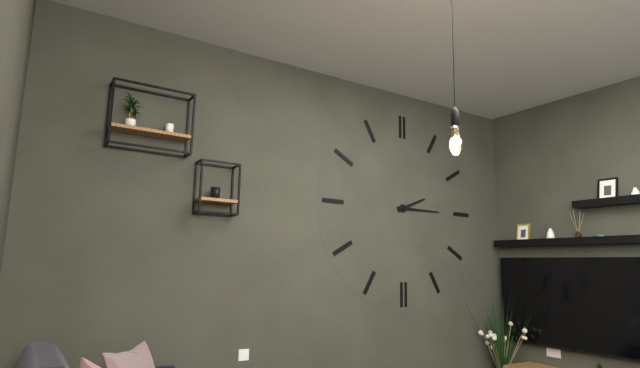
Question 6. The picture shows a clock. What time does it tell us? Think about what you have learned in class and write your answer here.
2:15
